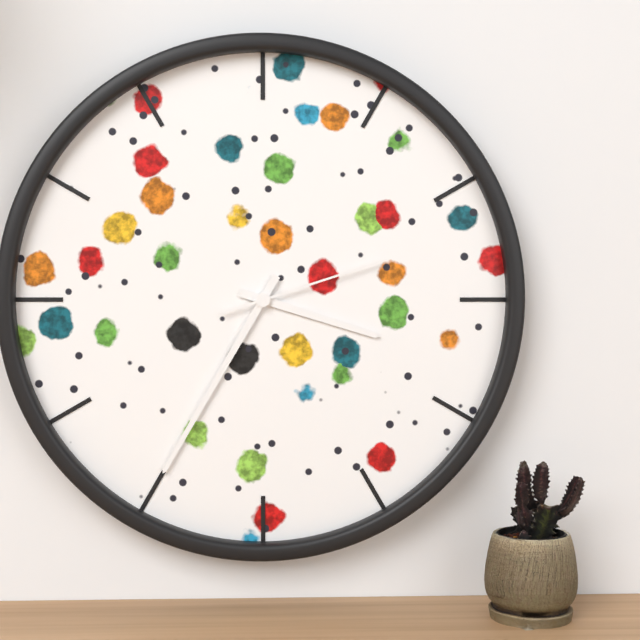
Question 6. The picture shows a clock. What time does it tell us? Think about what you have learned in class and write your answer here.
3:35:12
